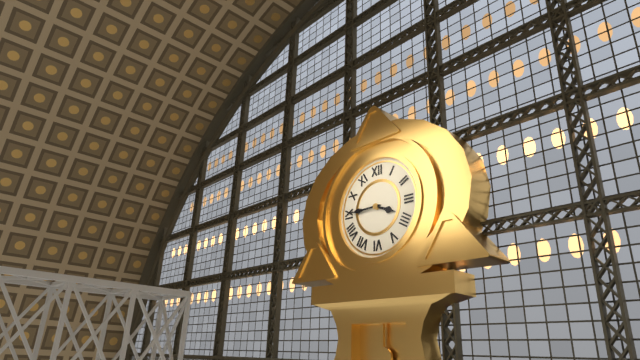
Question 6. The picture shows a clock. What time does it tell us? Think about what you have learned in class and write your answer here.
3:45
